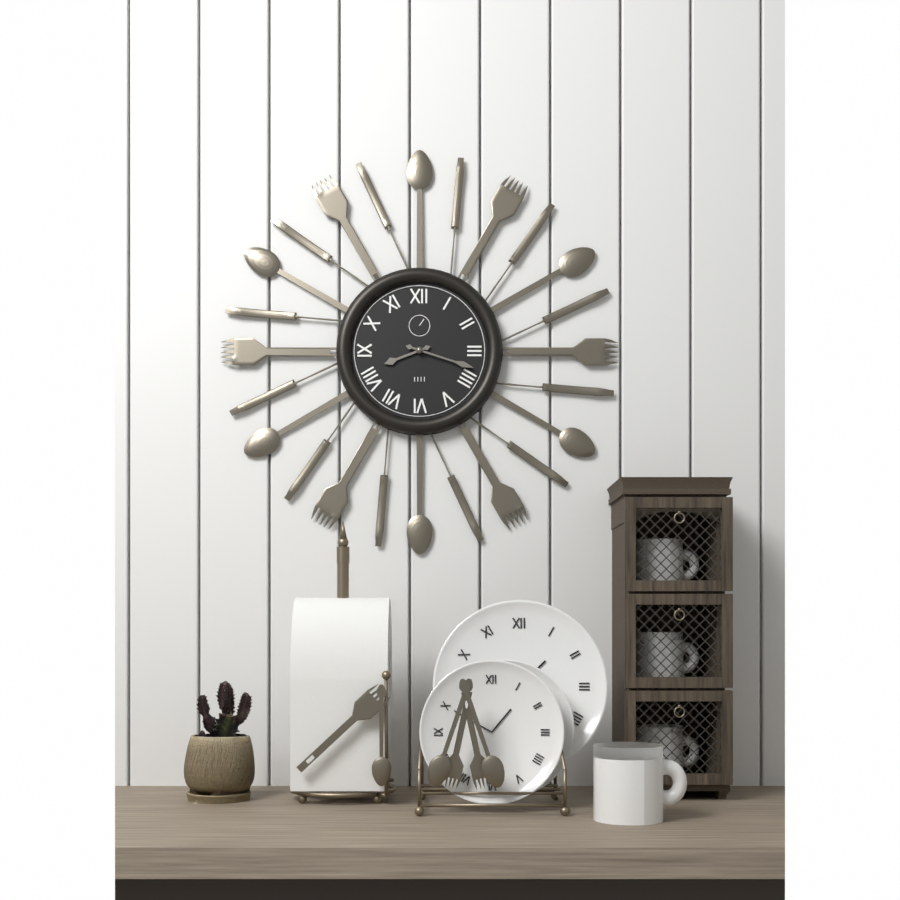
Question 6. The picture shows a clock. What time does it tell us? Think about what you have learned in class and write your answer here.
8:18
